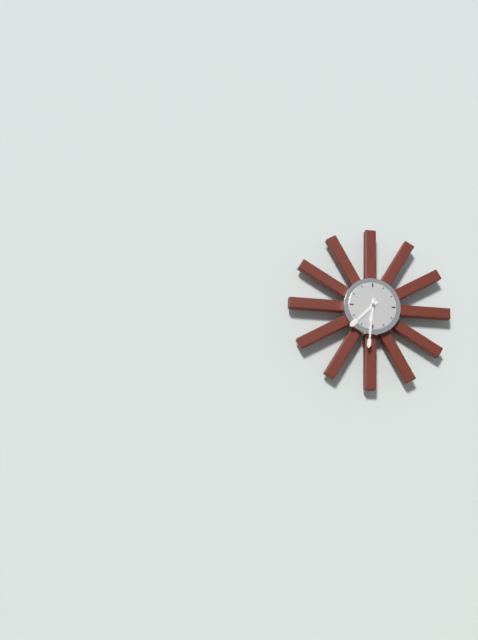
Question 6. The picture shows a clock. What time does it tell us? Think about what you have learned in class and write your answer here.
7:31
